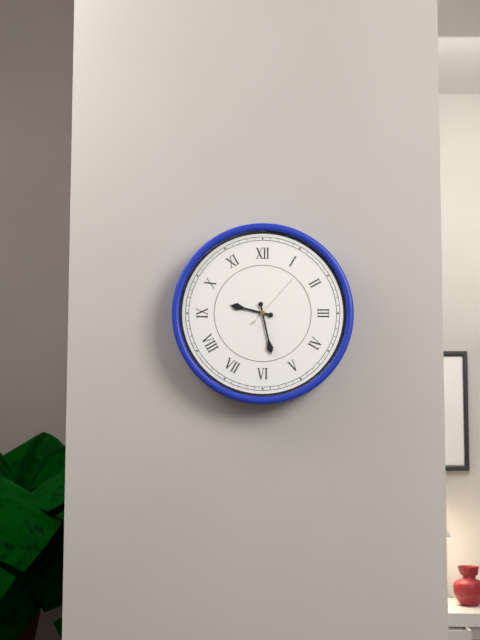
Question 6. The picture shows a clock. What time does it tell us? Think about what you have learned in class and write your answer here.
9:28:07
